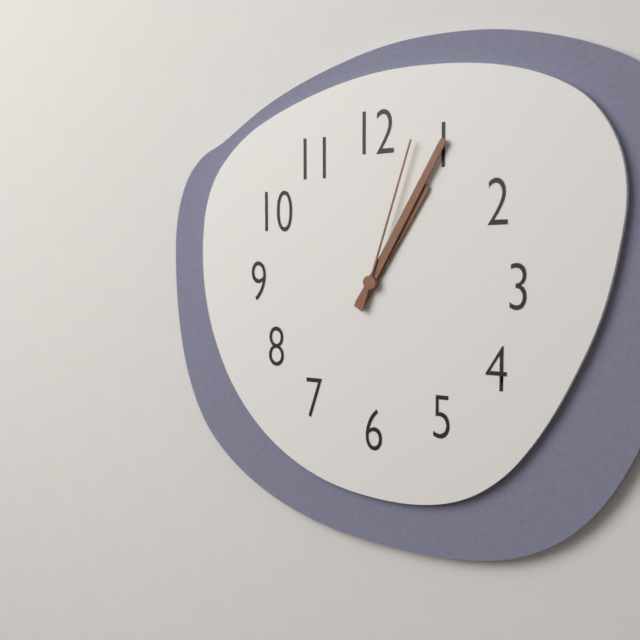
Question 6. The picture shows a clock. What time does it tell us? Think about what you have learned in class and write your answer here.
1:05:03
